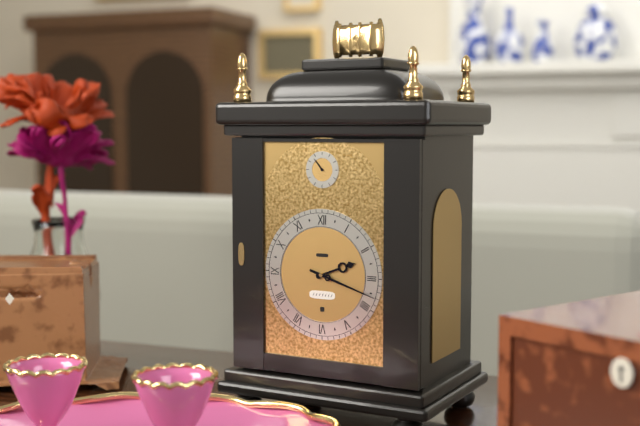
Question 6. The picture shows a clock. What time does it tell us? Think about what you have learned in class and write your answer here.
2:18
